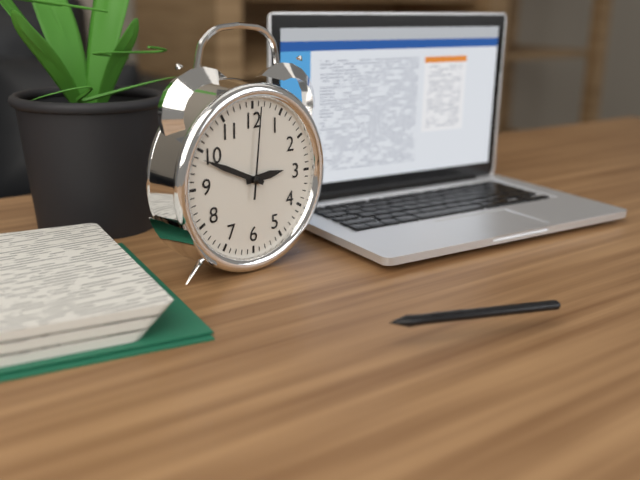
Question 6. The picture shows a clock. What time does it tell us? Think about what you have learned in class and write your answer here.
2:49:01
